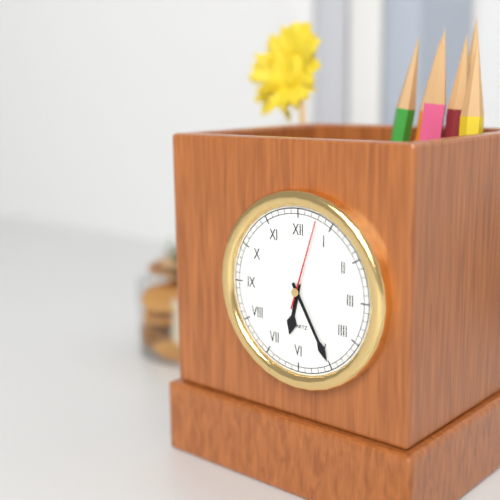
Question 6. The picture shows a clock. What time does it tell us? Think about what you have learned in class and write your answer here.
6:25:03
